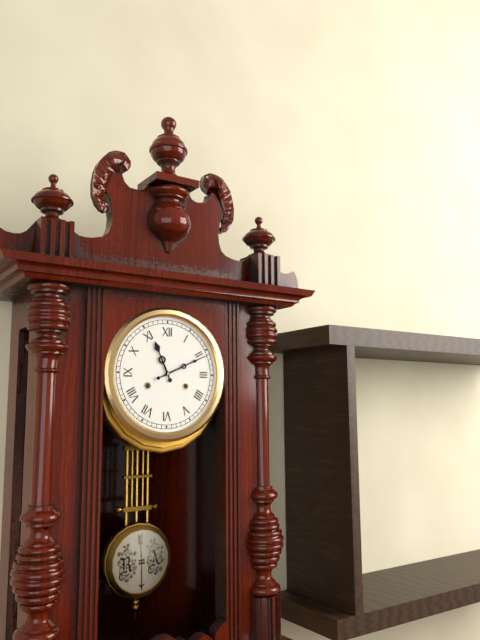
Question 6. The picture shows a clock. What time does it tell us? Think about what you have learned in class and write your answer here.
11:11
